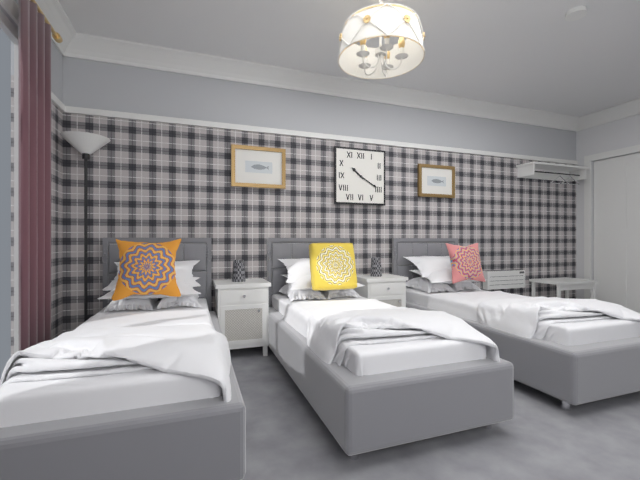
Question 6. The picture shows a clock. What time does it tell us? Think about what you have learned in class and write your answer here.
10:20
